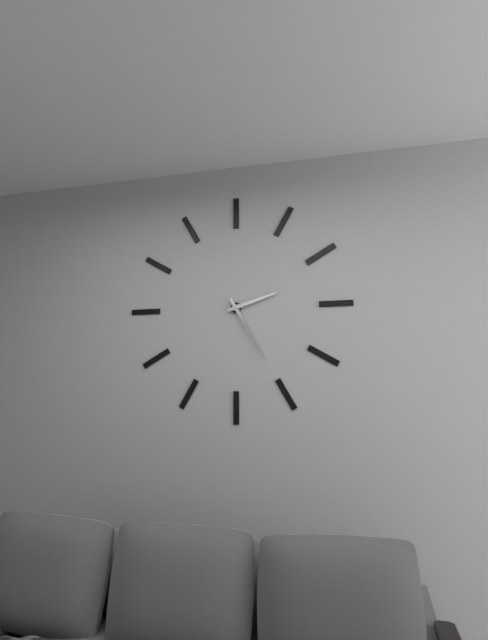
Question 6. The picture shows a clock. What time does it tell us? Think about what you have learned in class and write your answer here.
2:25
